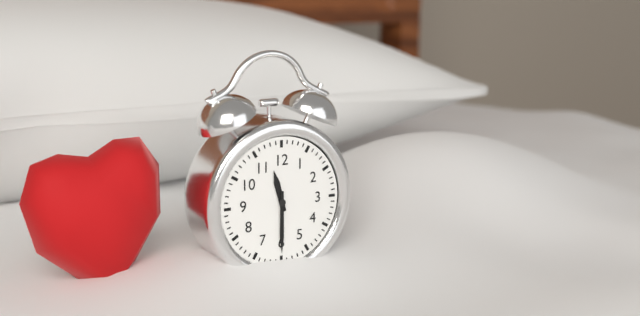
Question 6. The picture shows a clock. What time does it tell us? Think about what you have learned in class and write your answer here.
11:30
